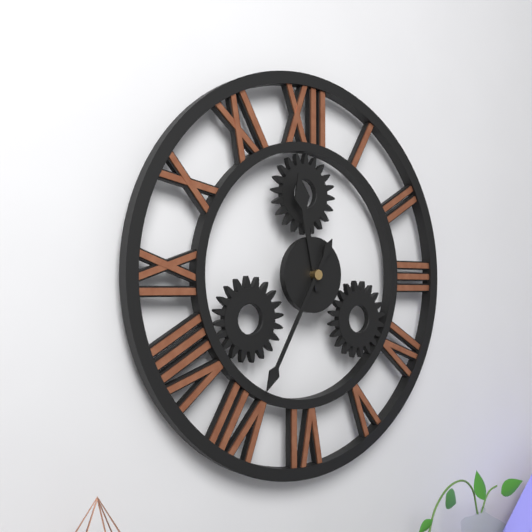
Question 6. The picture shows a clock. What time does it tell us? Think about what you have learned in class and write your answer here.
11:35
